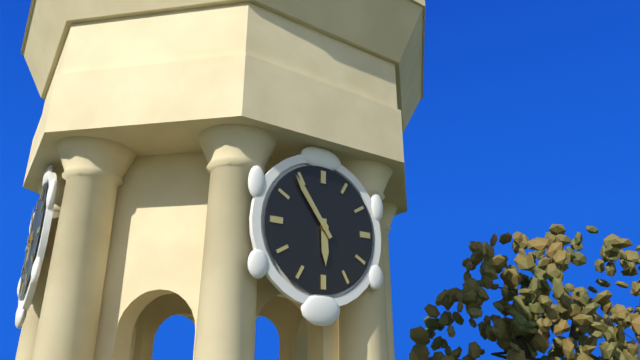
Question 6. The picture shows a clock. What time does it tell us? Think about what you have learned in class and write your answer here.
5:54
